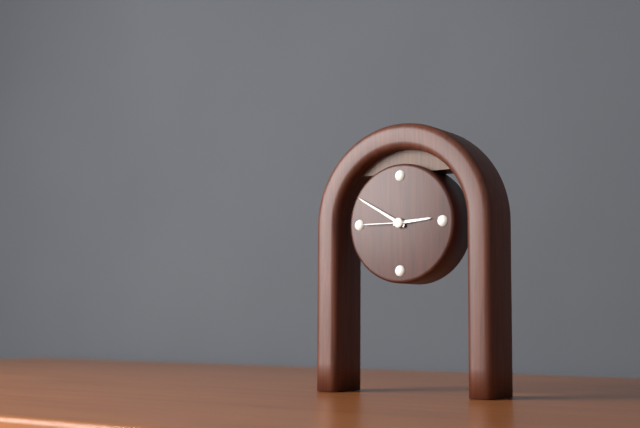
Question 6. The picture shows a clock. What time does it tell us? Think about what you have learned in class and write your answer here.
2:50
